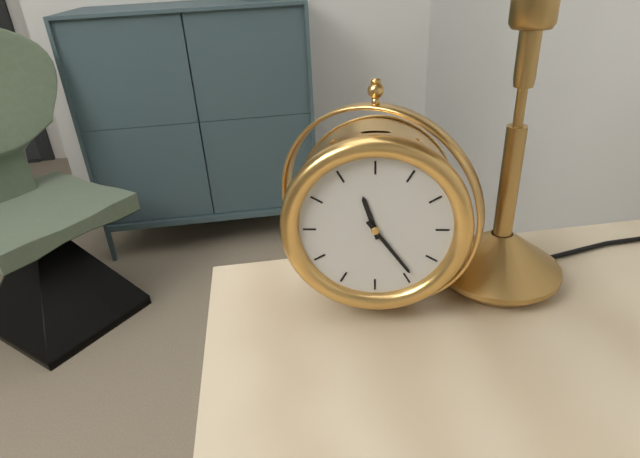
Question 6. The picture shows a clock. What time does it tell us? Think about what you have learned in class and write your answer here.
11:24
